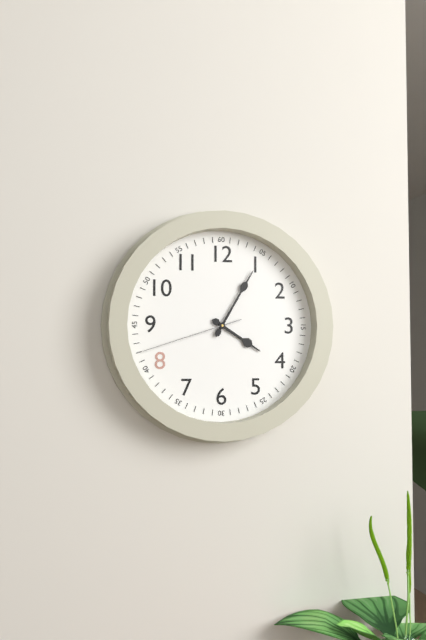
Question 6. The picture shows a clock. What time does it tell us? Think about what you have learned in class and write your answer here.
4:05:42
